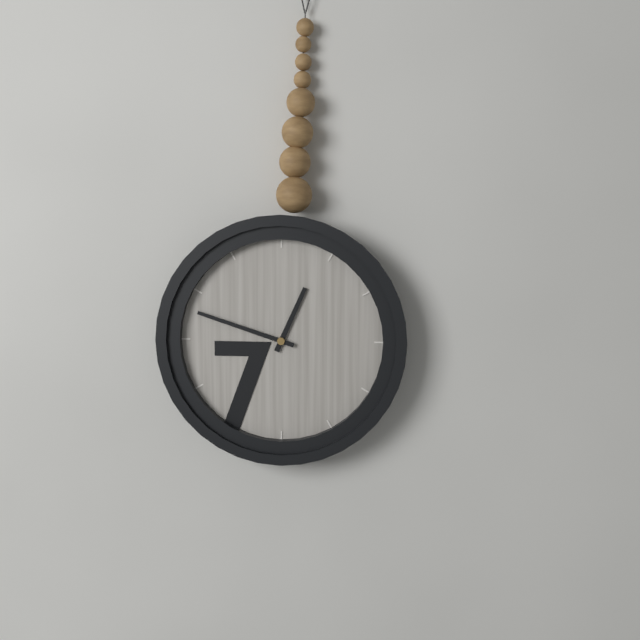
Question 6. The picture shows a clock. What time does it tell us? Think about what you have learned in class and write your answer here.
12:48
